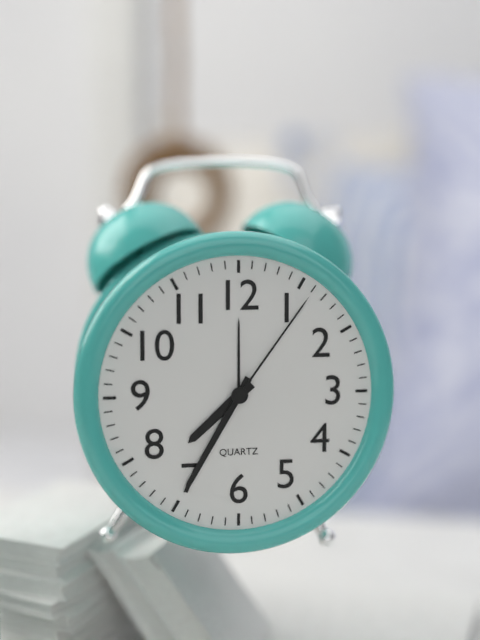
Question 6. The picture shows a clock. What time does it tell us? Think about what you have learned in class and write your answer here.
7:35:06
